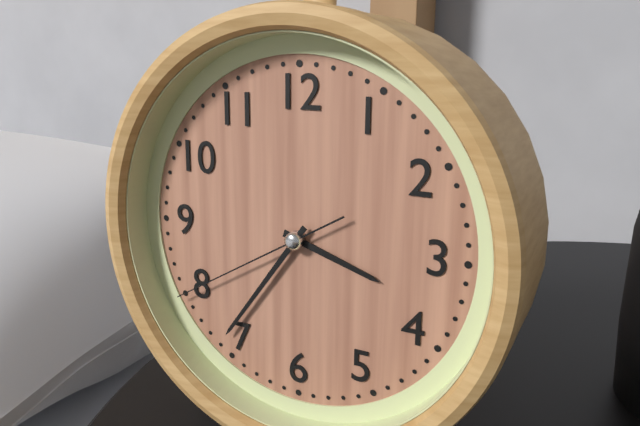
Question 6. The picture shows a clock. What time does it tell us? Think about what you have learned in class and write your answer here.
3:36:40
